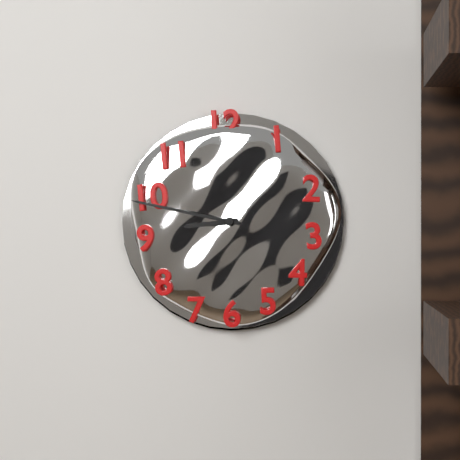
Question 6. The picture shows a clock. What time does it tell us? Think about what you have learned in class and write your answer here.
8:47
